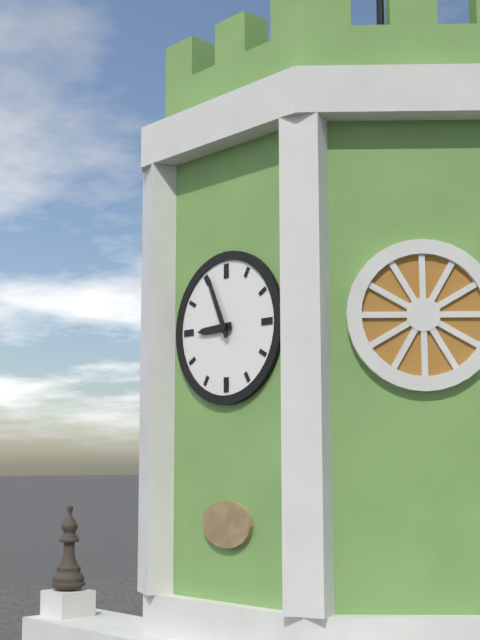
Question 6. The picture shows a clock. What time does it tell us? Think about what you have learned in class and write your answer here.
8:56
